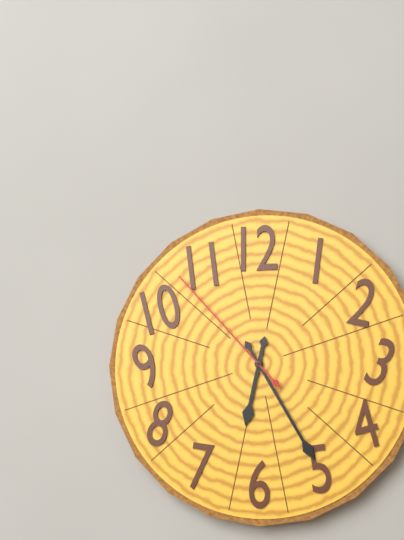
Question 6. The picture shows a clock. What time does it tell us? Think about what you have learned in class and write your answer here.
6:25:53
